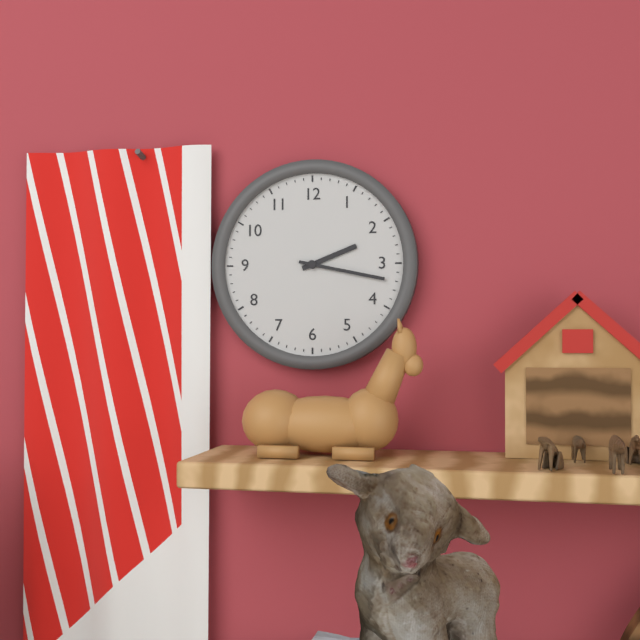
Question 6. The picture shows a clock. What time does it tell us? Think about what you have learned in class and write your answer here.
2:17
